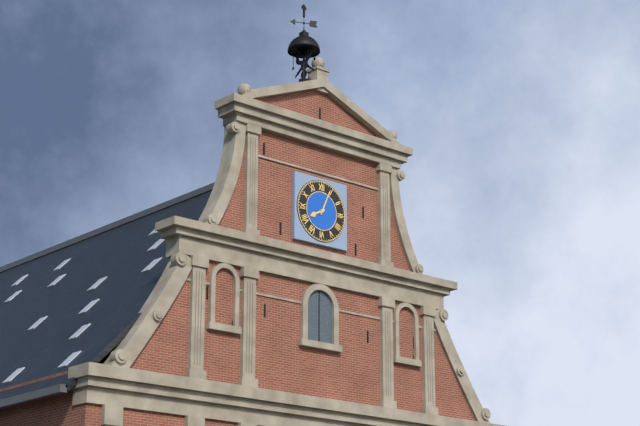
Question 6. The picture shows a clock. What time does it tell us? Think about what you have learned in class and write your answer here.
8:04
